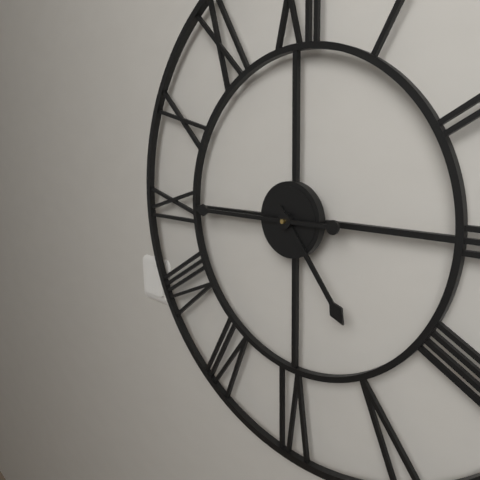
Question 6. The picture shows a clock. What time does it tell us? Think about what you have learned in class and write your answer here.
4:45
